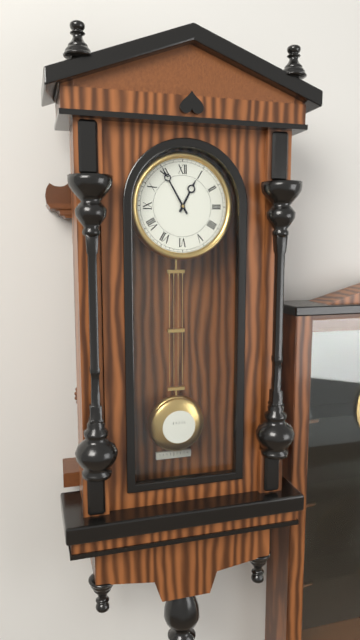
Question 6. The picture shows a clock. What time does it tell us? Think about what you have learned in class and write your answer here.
12:55
